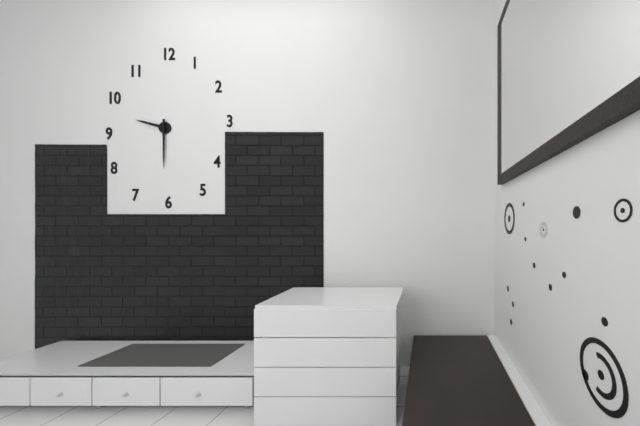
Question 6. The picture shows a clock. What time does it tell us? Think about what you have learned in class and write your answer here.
9:30
